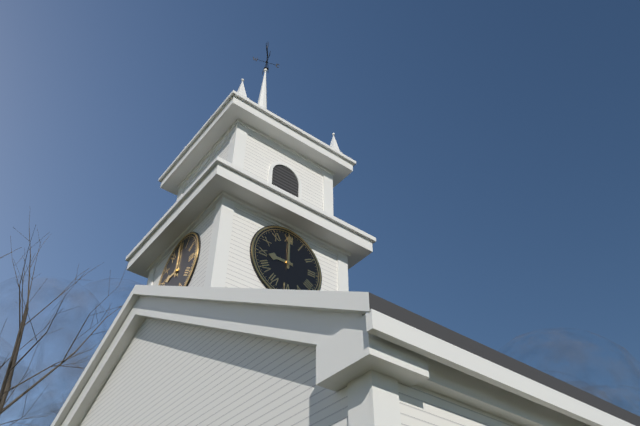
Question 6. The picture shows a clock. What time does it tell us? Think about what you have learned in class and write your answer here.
9:00
